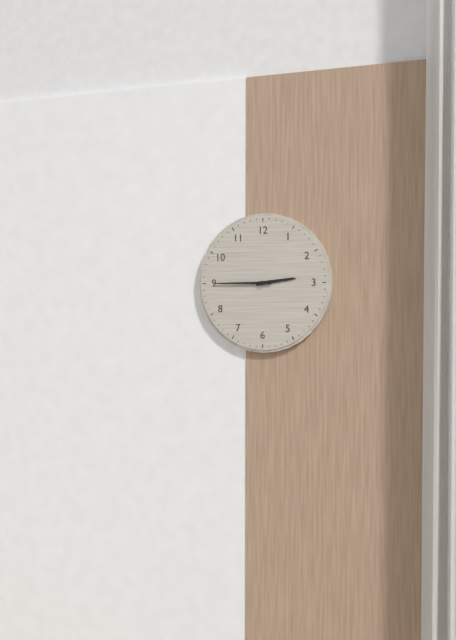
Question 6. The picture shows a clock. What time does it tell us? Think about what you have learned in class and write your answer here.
2:45
